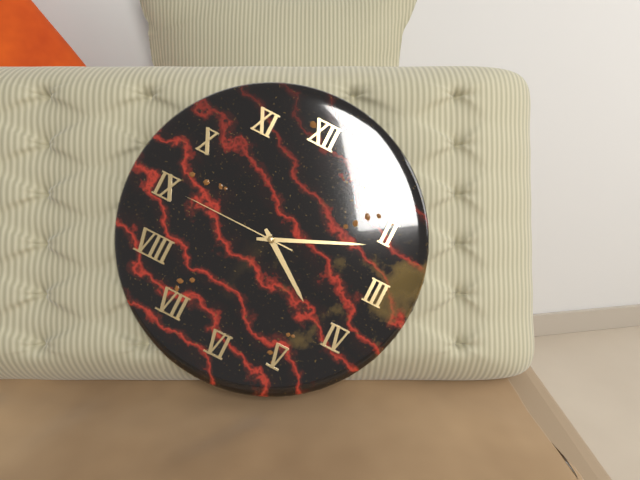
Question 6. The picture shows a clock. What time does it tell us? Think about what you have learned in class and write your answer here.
4:11:45
